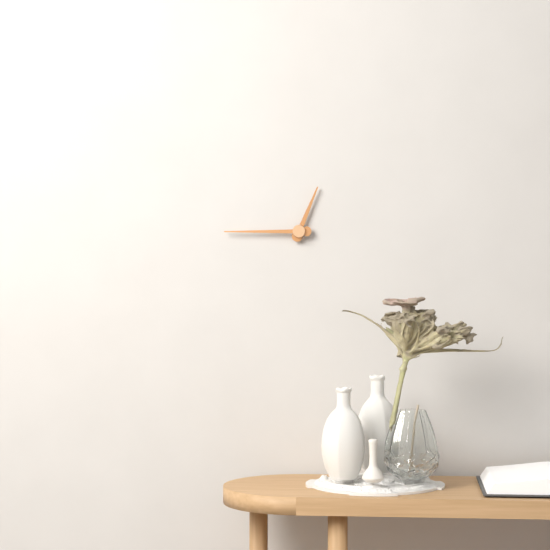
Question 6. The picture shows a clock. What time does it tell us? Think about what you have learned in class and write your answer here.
12:45
